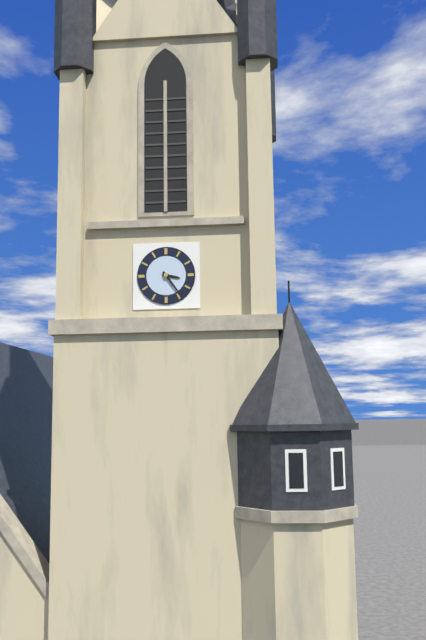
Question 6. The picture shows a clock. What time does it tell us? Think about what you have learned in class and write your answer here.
3:24
